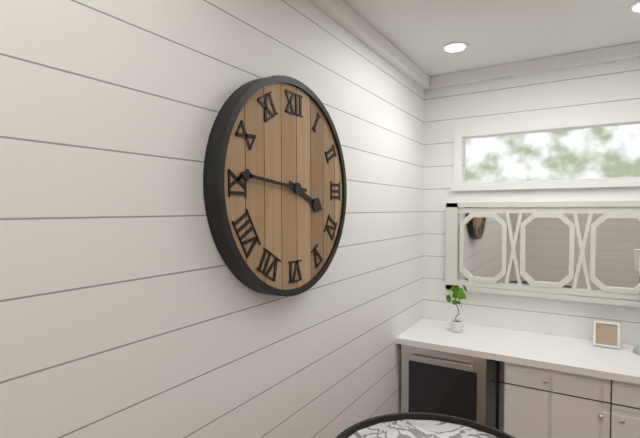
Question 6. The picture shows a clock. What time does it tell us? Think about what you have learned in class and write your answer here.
3:46
